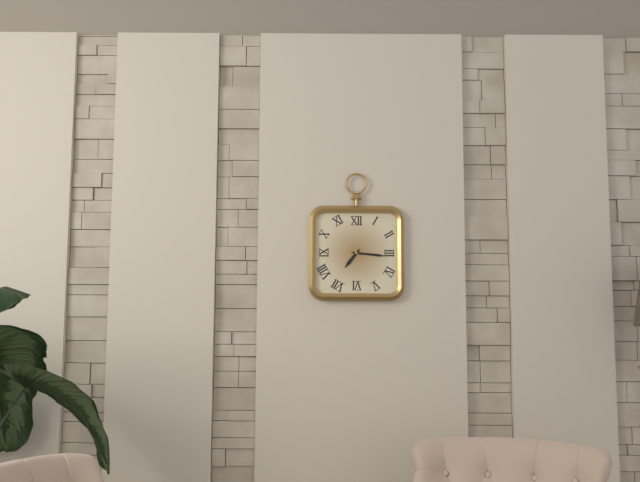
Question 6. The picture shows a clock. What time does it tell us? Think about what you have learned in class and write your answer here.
7:16
